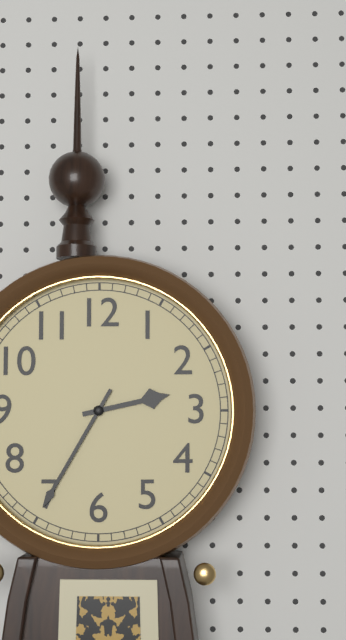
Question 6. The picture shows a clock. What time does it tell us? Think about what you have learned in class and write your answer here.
2:35
